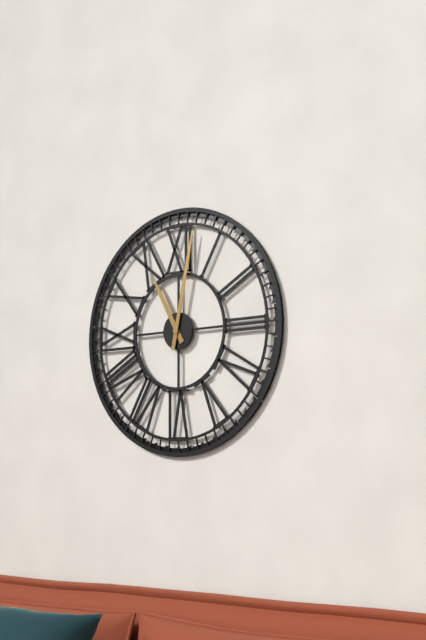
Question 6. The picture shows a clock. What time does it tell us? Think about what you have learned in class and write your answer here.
11:02
